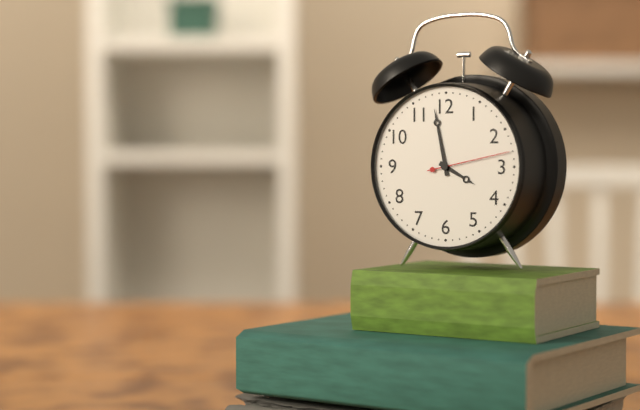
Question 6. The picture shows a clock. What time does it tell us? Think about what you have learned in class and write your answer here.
3:58:13
